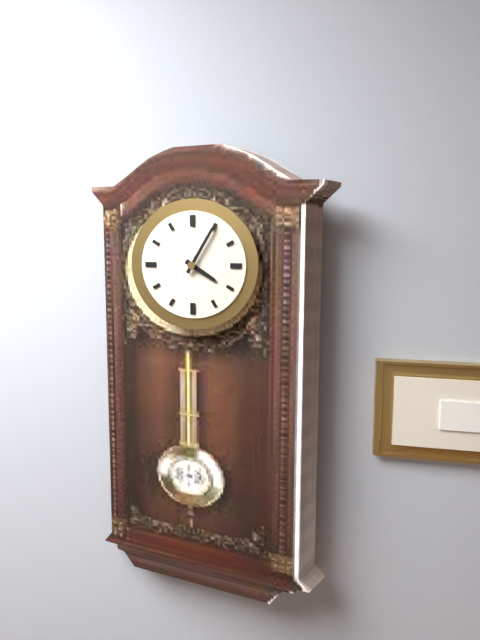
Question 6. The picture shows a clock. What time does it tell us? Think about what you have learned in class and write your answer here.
4:05
